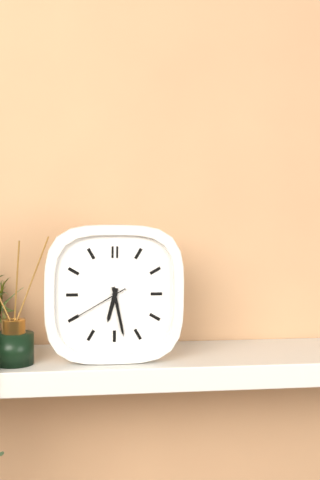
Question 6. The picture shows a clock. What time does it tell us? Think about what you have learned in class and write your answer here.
6:28:40
